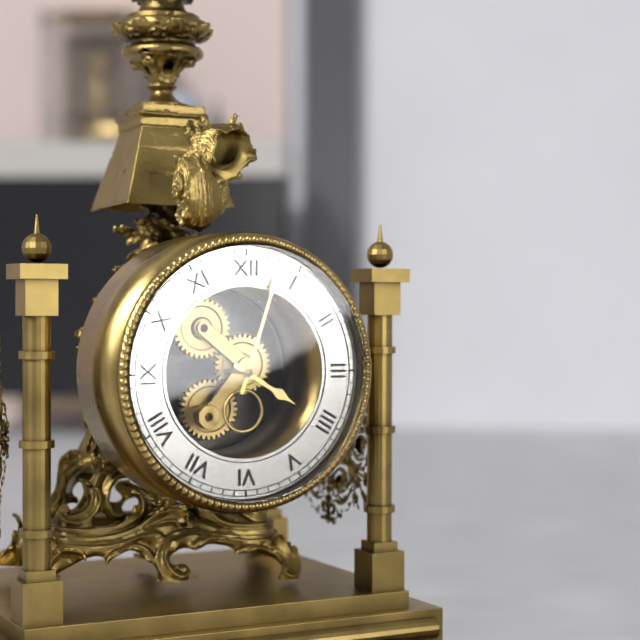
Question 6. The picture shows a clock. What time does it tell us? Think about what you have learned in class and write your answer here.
4:03
